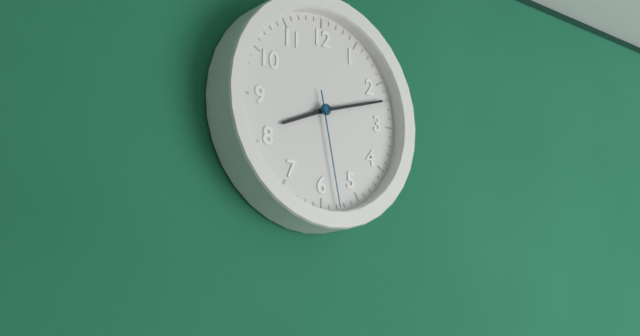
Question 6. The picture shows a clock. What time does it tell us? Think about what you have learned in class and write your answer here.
8:12:28
